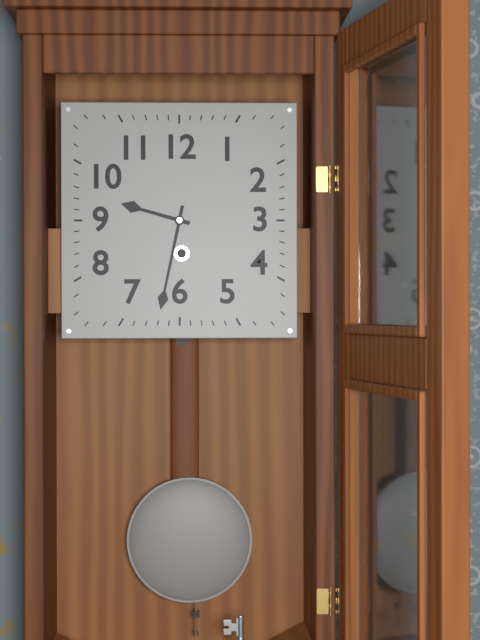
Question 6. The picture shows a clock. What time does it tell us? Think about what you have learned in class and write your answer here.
9:32
